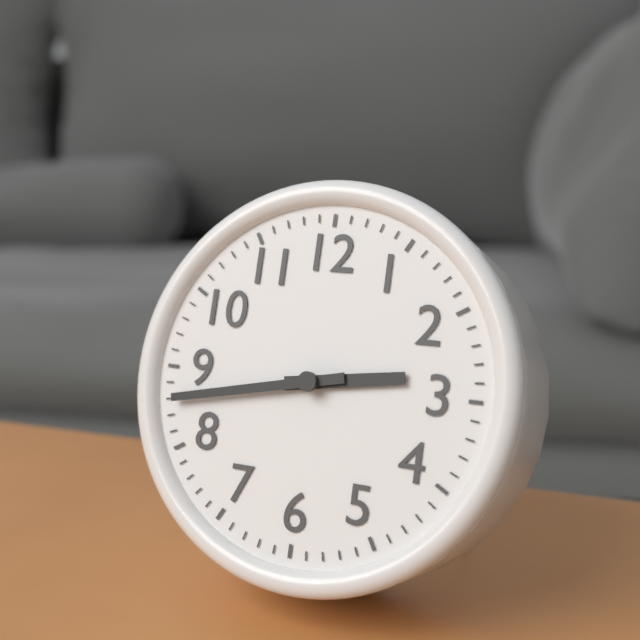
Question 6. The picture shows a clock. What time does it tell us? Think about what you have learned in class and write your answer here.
2:43
